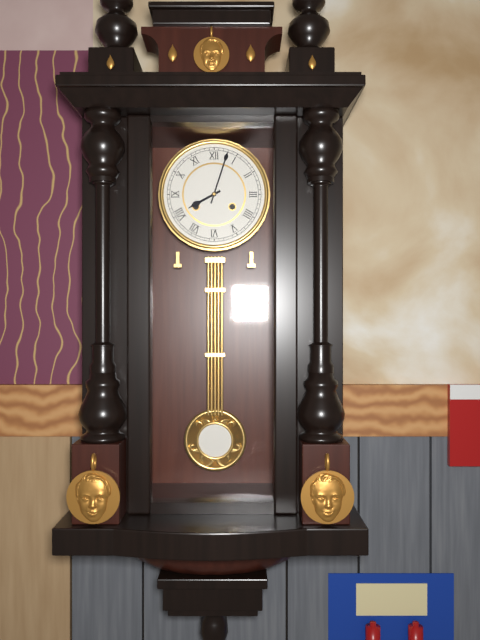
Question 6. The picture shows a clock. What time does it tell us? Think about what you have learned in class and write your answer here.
8:03
